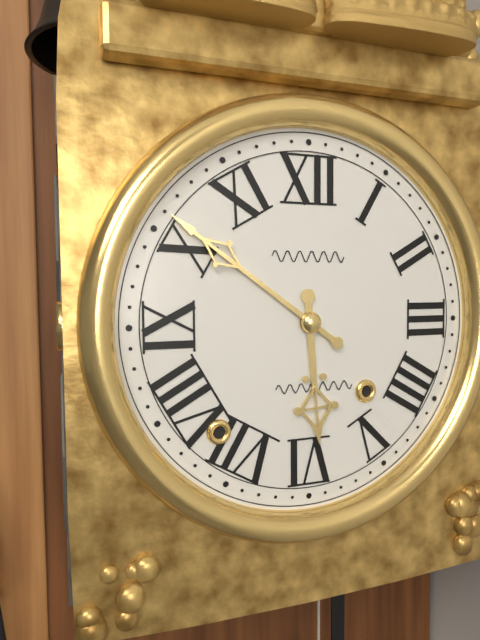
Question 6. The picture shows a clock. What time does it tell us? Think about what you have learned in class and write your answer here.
5:51
